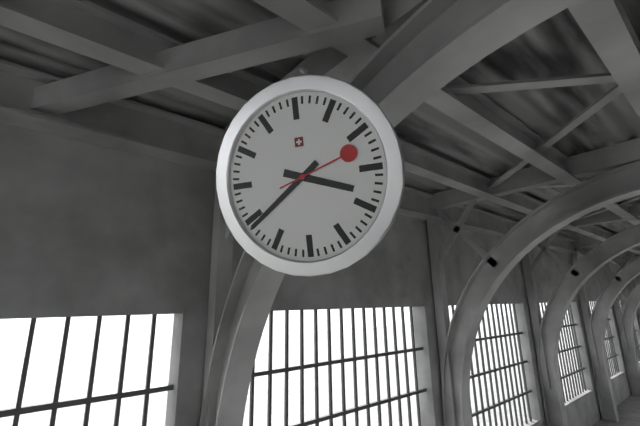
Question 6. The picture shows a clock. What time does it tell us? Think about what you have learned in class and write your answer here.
3:39:12
